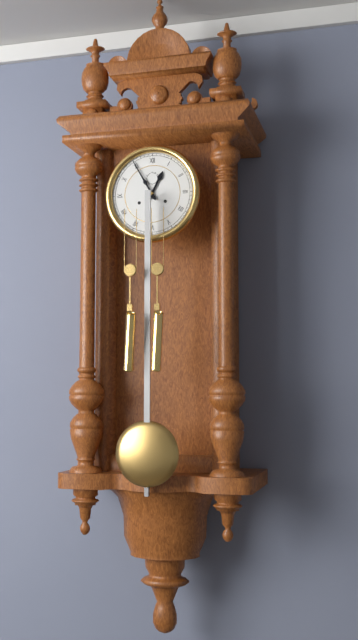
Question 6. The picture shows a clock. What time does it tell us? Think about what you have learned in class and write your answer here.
12:55
